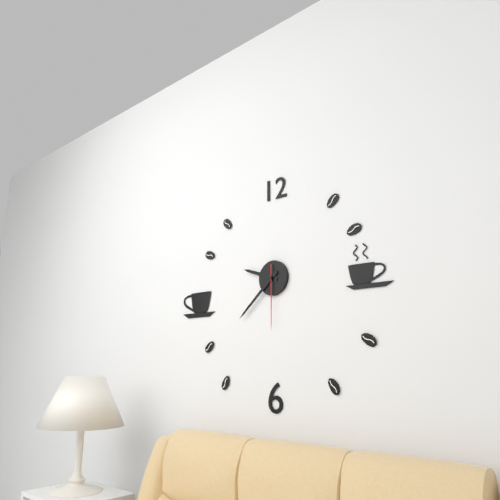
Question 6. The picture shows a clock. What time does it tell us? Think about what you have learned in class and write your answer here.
9:38:30
